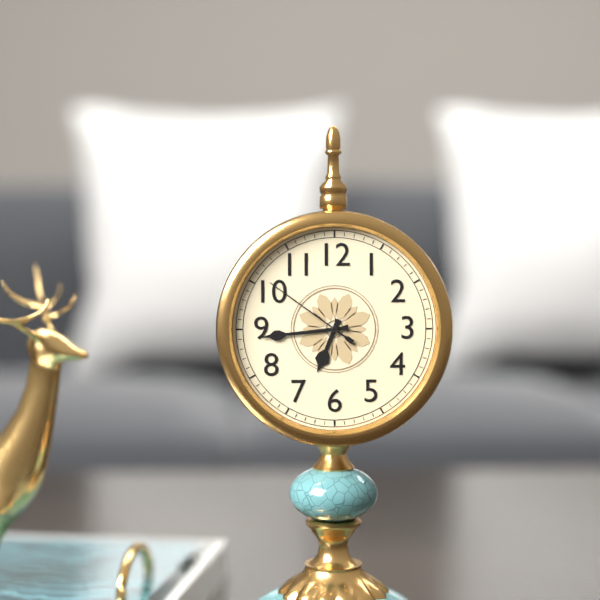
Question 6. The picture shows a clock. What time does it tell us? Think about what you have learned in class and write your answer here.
6:44:51
